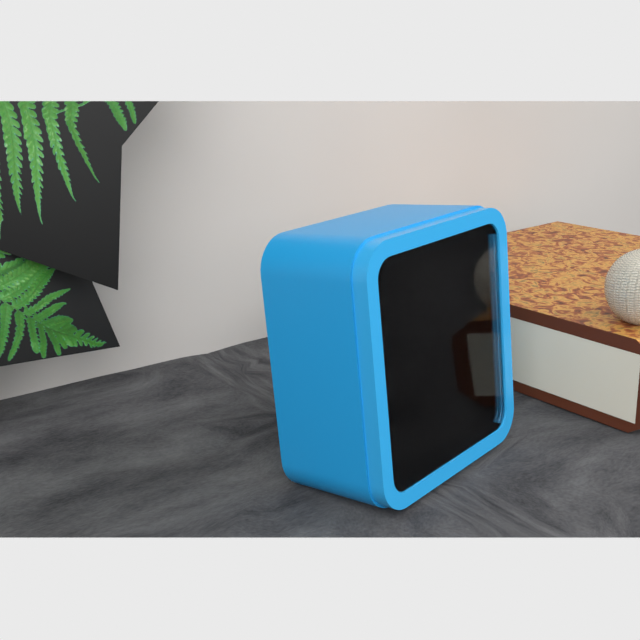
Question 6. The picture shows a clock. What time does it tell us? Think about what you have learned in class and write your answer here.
3:01
